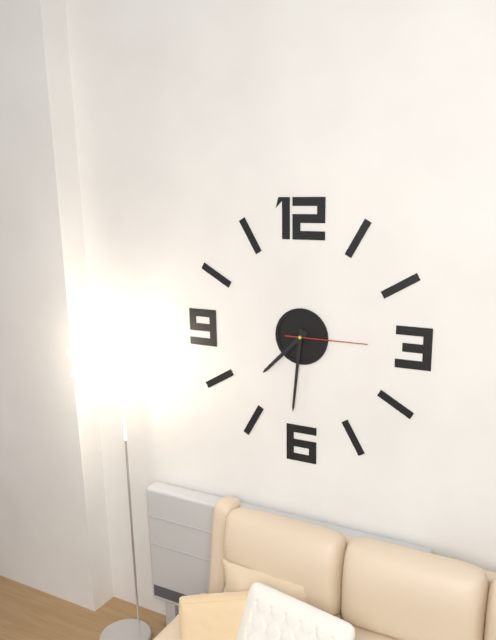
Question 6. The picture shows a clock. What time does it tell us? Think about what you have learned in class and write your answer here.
7:31:15
